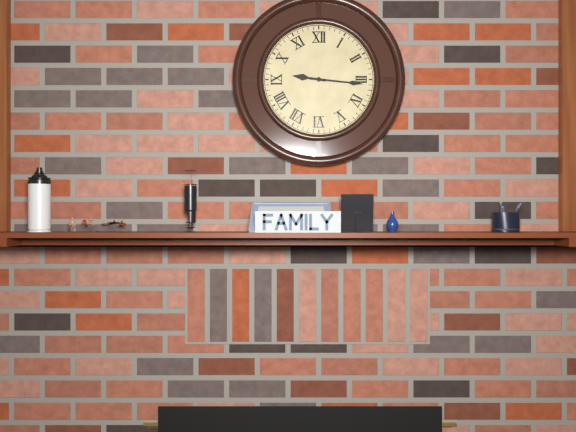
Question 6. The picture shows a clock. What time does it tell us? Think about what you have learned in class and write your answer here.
9:16
